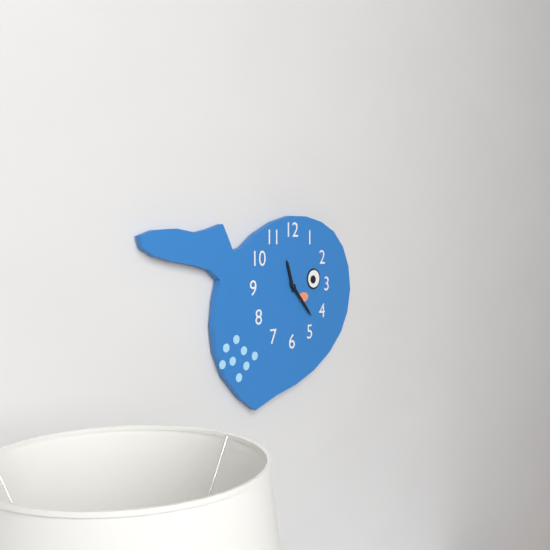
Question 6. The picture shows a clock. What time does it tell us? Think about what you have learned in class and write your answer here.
11:23
